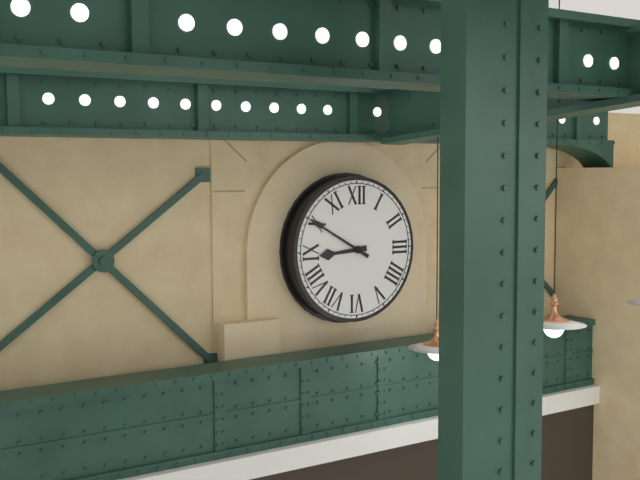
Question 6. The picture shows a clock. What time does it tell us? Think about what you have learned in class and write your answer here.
8:50
